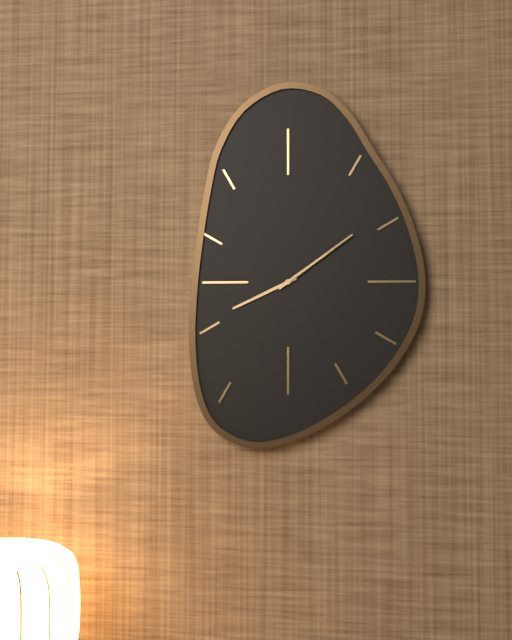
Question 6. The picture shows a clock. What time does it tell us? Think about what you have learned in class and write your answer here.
8:09
